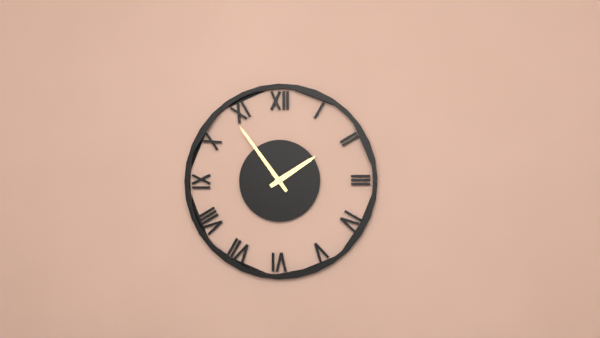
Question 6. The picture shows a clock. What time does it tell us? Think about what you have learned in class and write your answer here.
1:54
